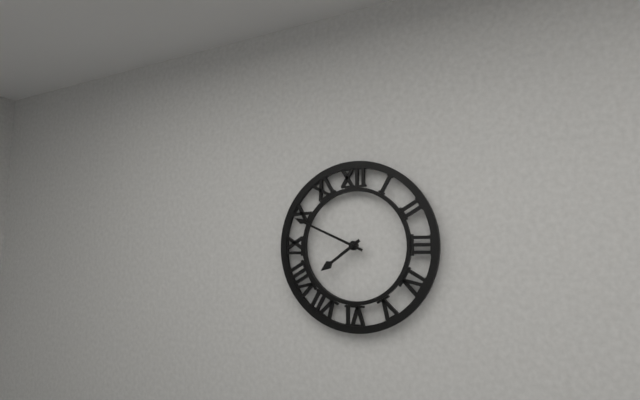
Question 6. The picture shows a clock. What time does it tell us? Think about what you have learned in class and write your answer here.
7:49
